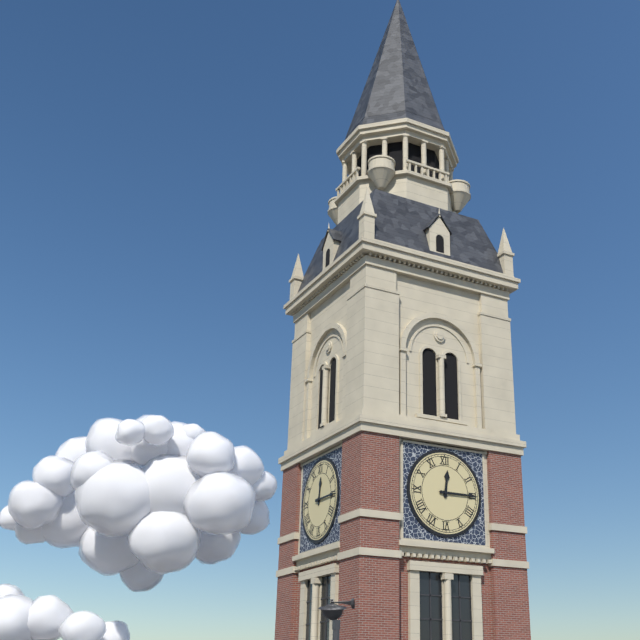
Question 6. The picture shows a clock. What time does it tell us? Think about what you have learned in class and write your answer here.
12:15
